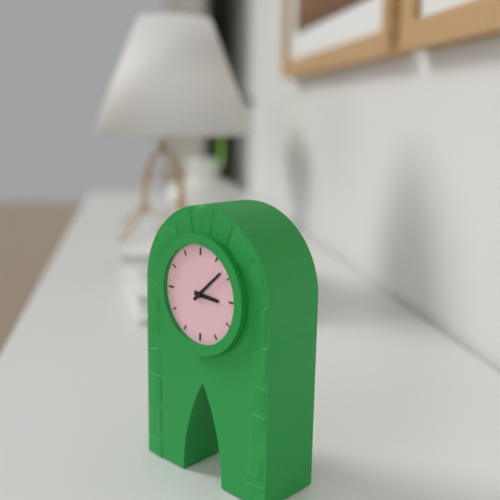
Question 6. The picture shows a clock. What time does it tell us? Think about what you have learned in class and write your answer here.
3:08
